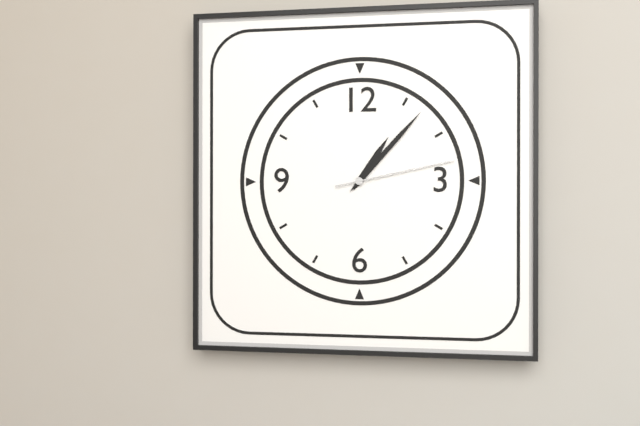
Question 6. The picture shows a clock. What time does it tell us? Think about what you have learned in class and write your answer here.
1:07:13
